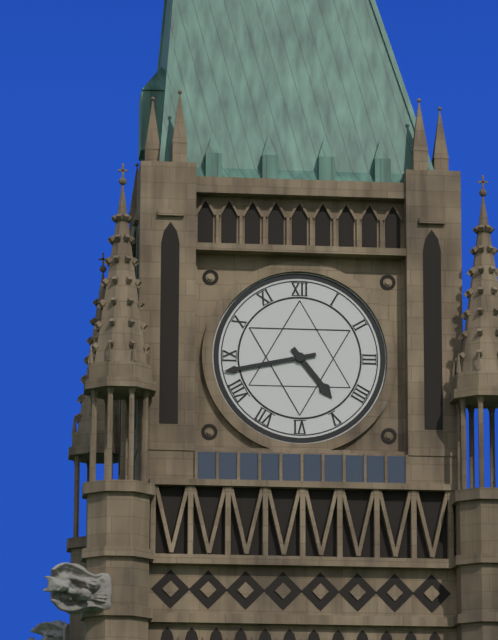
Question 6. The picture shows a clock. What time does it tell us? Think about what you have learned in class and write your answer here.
4:43
